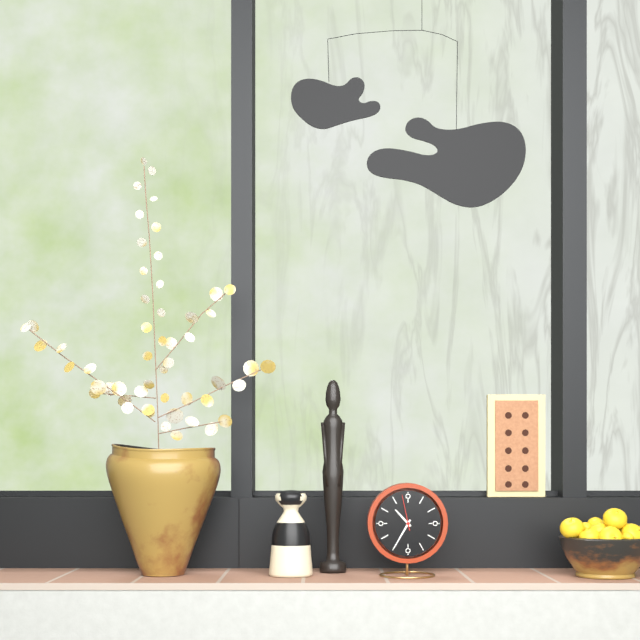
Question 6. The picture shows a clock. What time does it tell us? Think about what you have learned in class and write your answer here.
10:35
